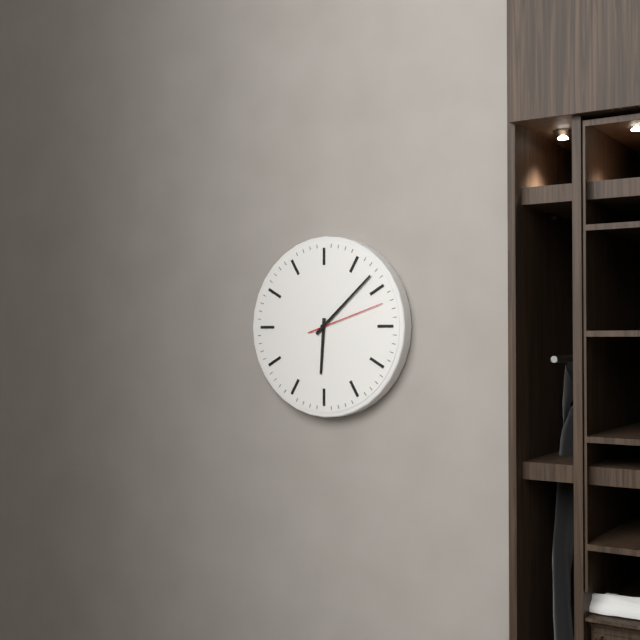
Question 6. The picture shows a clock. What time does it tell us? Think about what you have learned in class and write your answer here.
6:08:12
